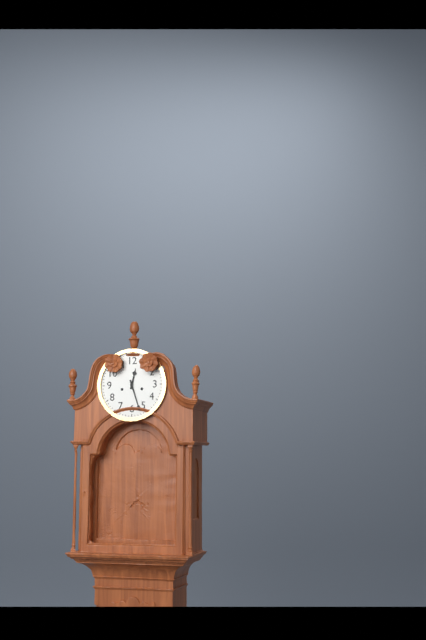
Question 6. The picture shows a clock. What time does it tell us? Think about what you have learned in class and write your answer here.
12:27
